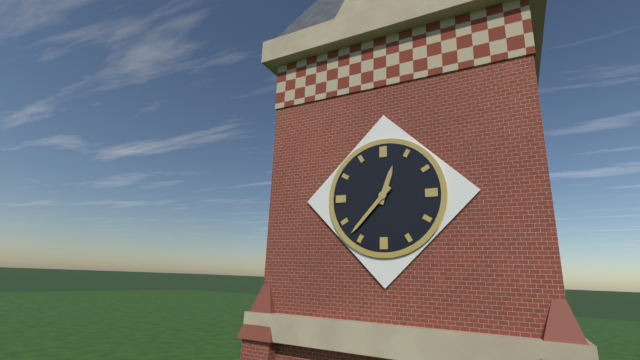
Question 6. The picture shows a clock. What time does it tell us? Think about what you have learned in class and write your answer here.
12:37
